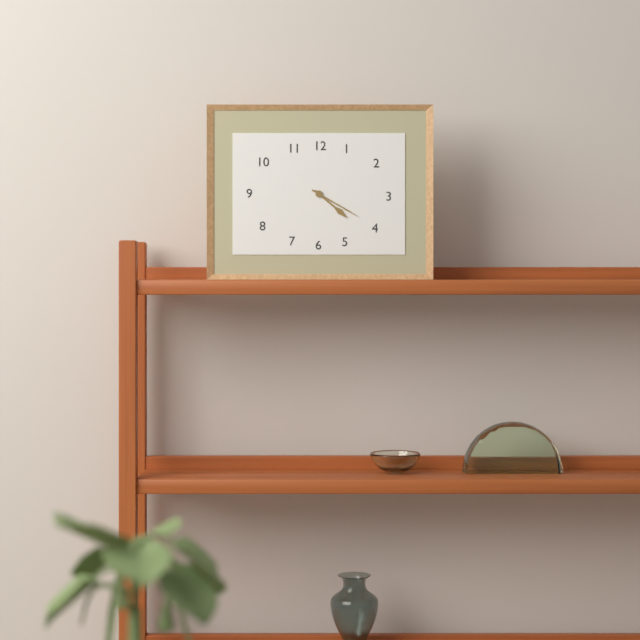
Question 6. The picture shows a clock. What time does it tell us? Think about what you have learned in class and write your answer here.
4:20
